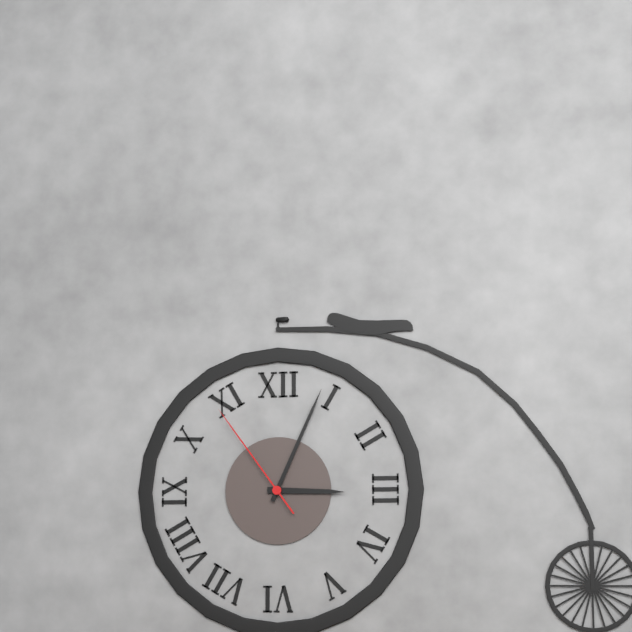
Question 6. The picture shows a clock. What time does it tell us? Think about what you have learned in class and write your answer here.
3:04:54
